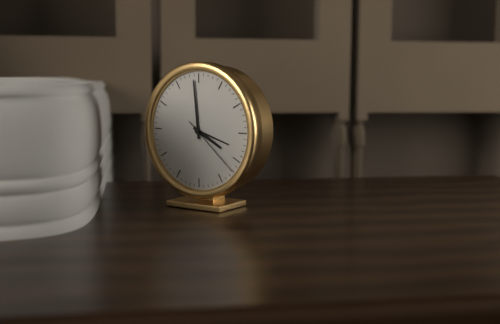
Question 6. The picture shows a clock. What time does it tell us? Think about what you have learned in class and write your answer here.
3:59:22
